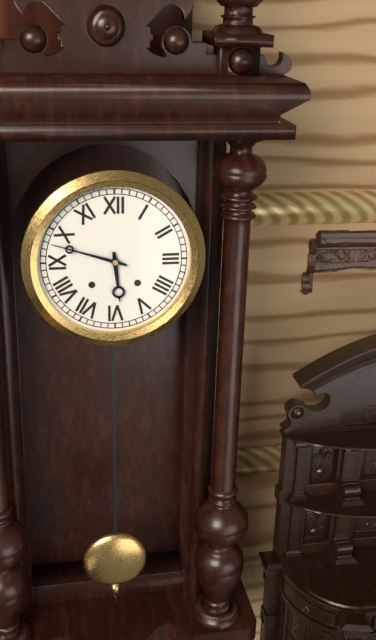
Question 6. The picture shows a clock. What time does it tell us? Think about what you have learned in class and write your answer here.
5:48
